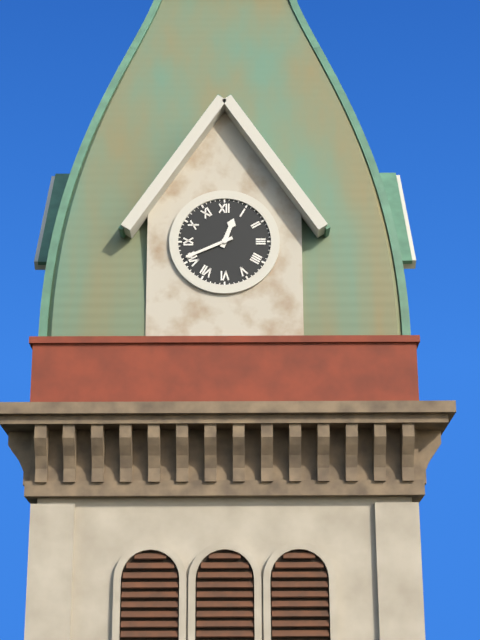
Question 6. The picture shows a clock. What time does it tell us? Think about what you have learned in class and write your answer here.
12:41
